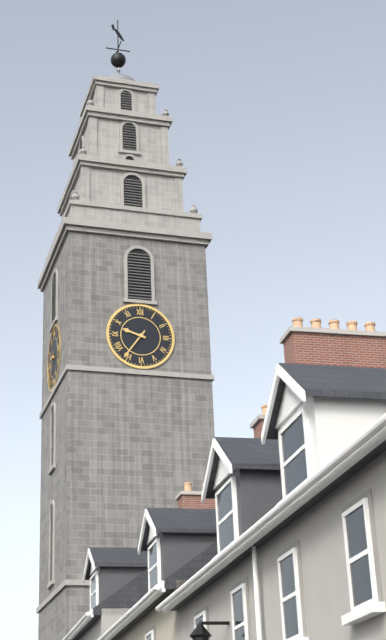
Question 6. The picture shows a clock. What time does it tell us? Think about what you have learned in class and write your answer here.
9:36
